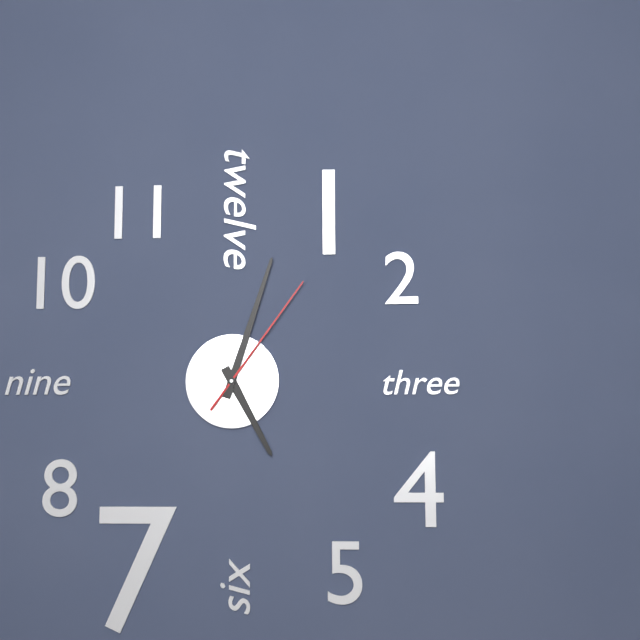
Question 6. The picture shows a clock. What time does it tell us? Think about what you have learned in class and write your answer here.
5:03:06
